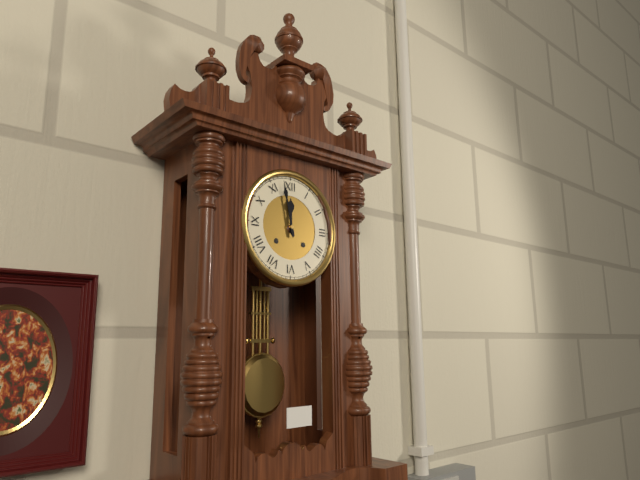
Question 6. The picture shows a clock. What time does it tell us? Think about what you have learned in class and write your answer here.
11:58
